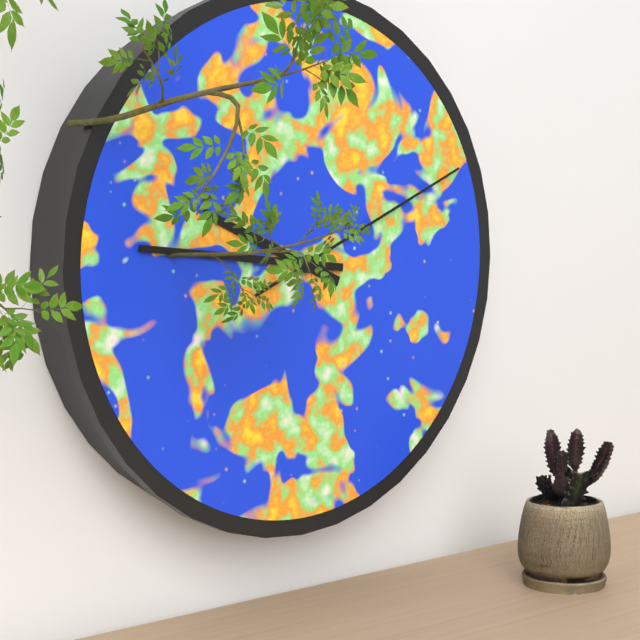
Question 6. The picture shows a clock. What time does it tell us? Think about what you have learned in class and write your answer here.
9:46:11
